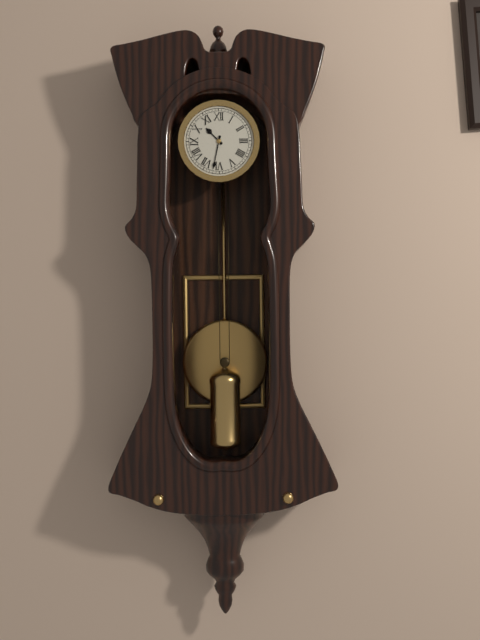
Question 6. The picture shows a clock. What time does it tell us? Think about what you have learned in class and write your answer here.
10:32
